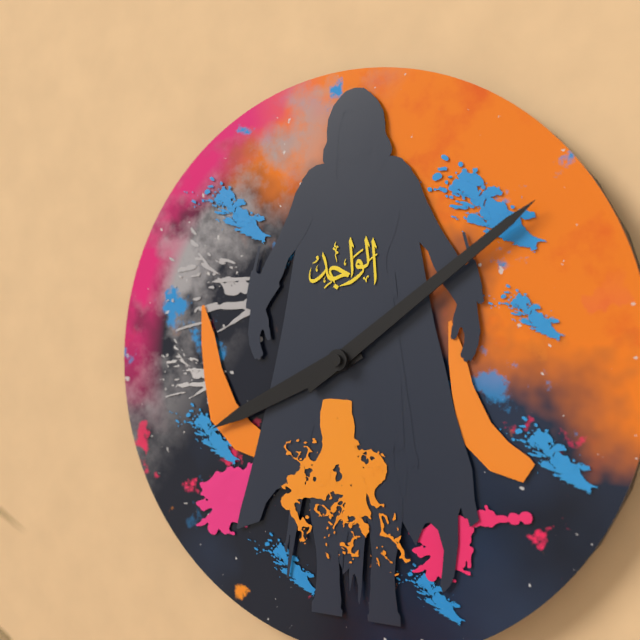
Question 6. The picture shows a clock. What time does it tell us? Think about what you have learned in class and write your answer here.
8:09
